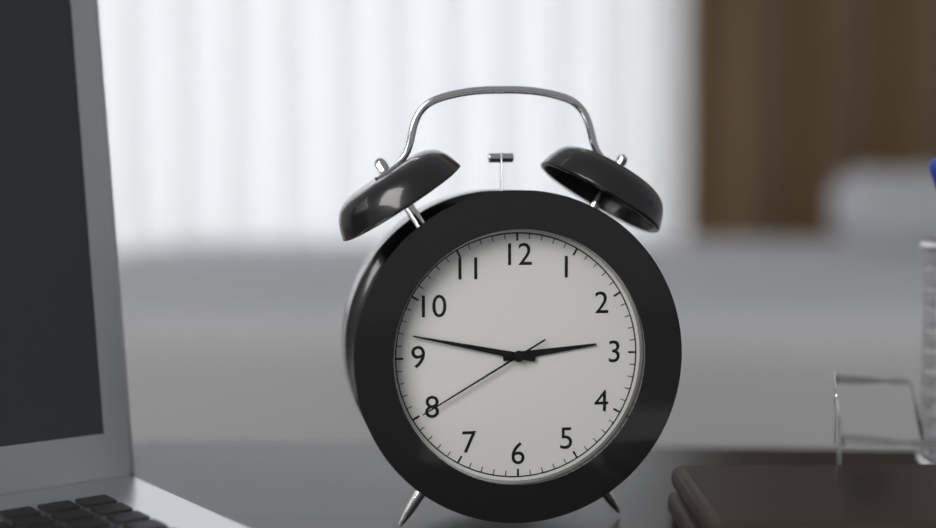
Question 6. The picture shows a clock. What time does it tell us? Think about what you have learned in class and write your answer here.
2:47:40
